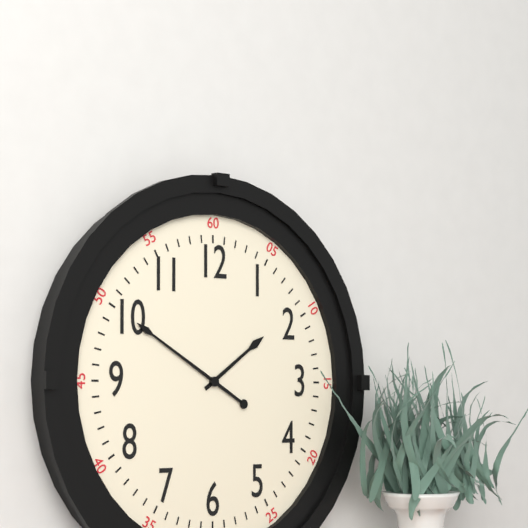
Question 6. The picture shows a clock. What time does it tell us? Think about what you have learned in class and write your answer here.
1:50
